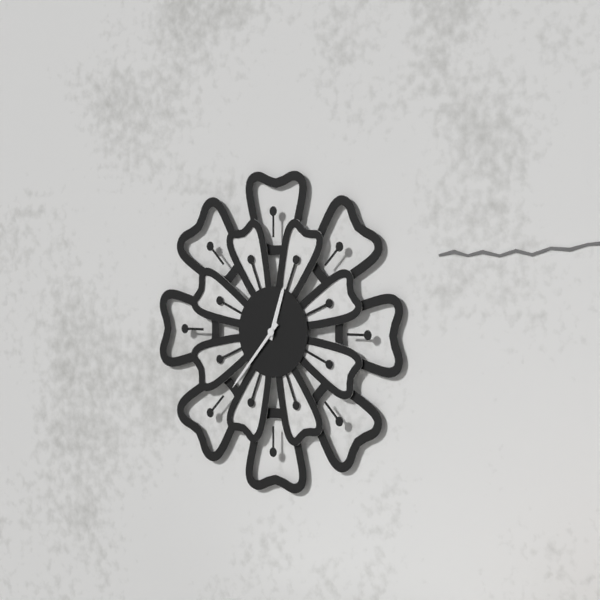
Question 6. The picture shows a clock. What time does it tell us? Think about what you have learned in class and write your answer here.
12:37
